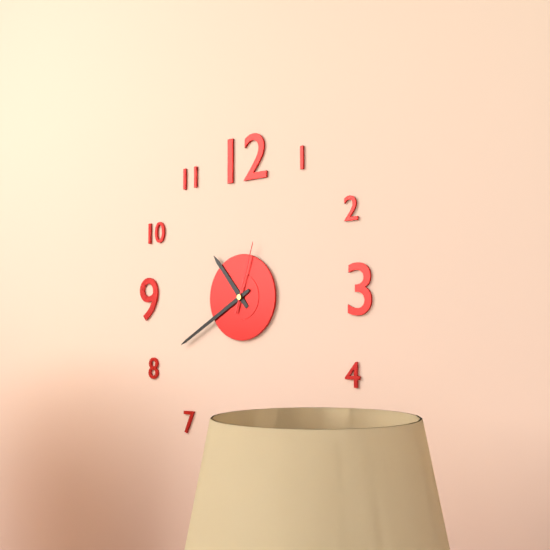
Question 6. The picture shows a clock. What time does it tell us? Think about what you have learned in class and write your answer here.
10:40:03
